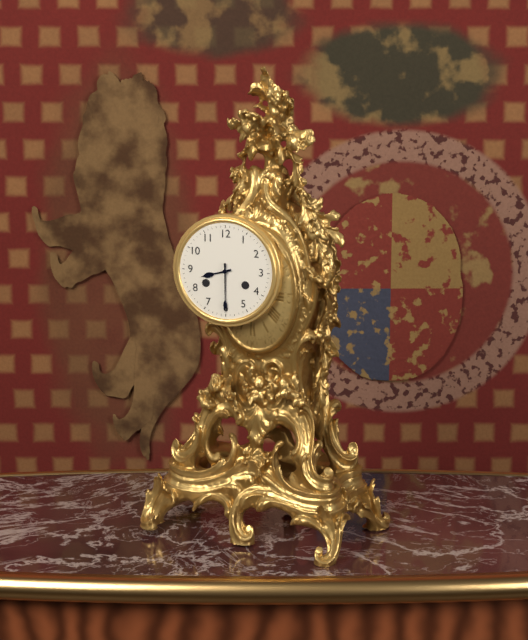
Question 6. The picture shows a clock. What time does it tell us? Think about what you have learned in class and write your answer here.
8:30
